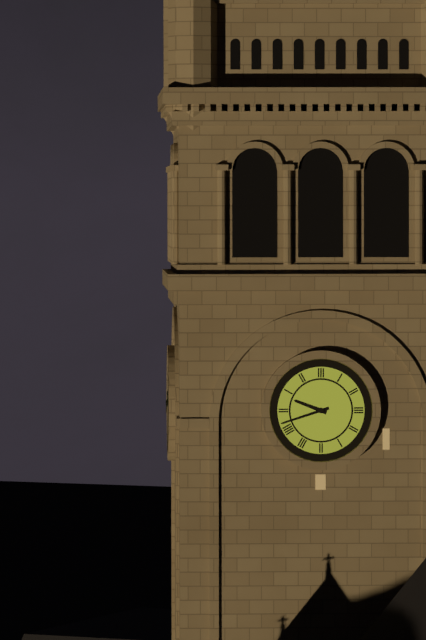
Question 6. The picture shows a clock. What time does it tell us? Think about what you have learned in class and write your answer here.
9:42
